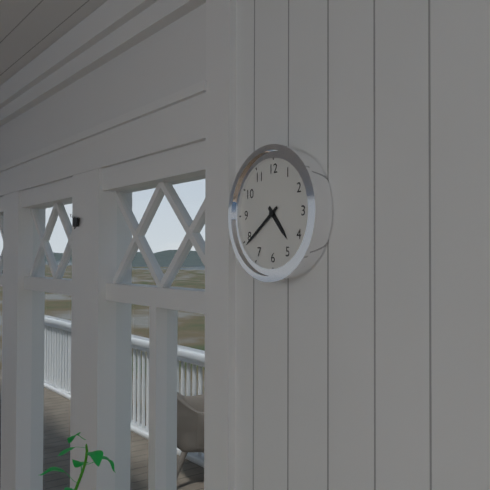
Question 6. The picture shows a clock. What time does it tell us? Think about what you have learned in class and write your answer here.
4:39
